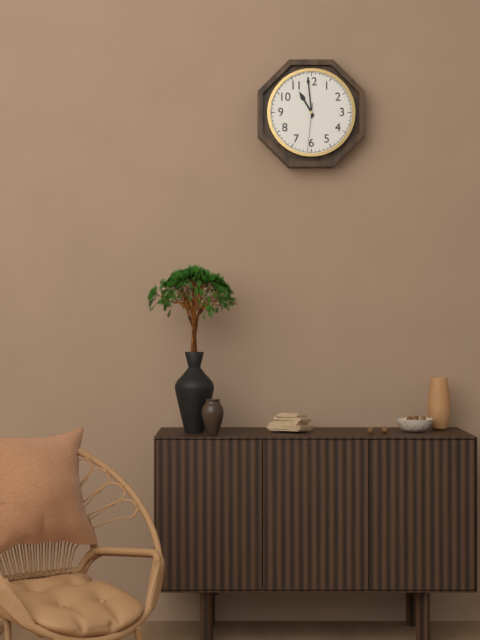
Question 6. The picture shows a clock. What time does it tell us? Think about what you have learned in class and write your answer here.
10:59
